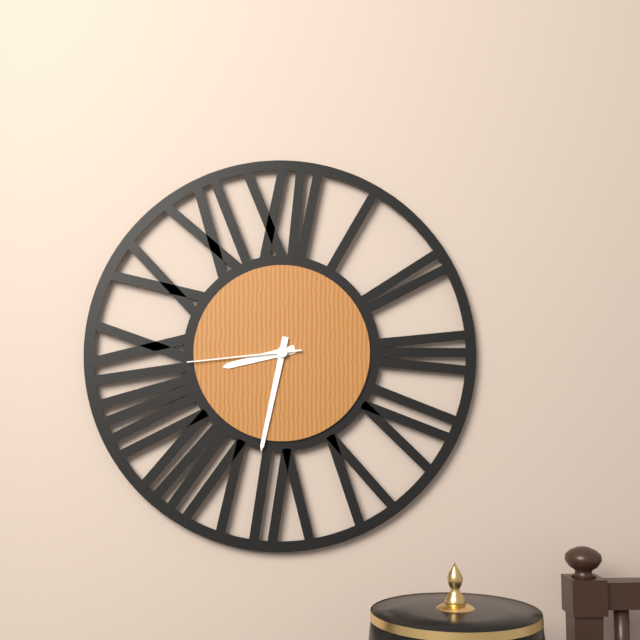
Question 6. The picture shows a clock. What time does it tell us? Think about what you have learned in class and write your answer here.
8:32:44
